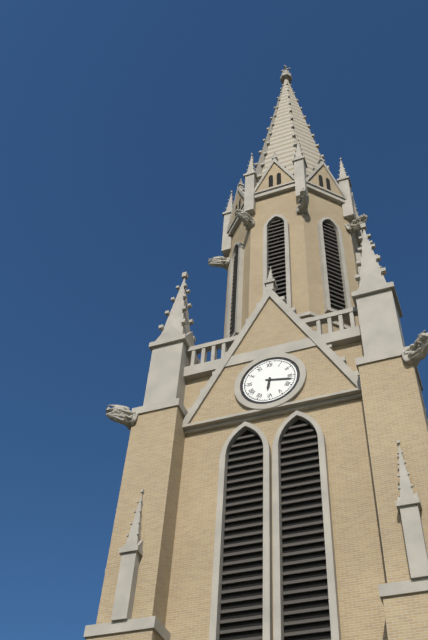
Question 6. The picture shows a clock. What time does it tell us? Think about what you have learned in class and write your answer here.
6:17
